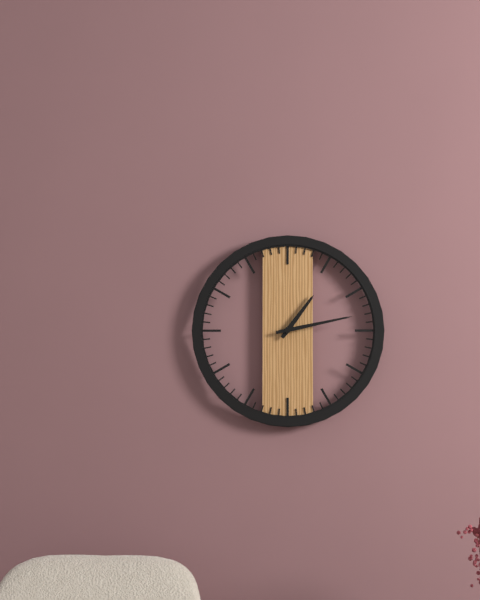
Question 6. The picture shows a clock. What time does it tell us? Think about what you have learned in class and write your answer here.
1:13
